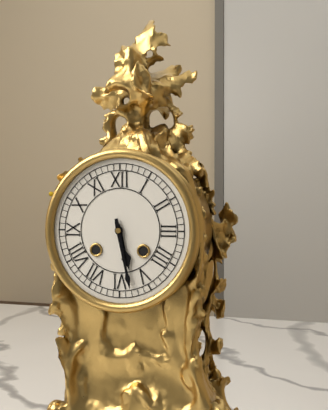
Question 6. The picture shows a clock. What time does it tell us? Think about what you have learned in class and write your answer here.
5:28
